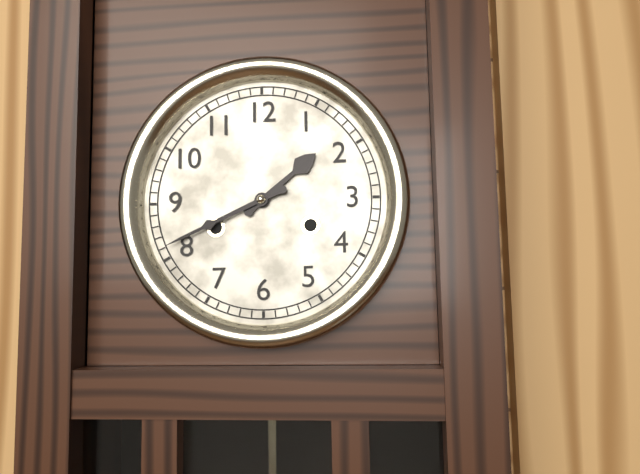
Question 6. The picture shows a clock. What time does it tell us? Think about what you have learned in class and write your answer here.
1:41
